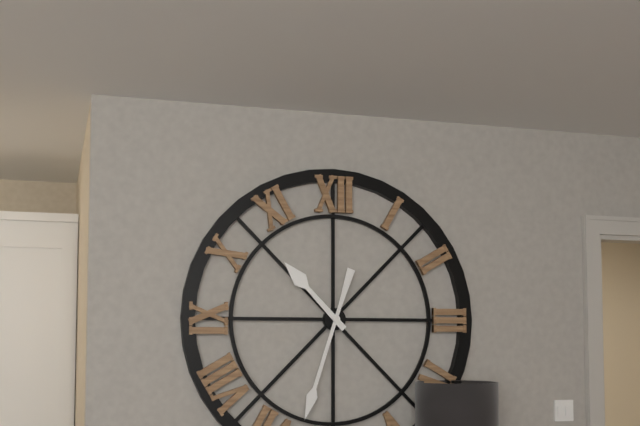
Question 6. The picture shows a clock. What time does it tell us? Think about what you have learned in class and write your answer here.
10:33
